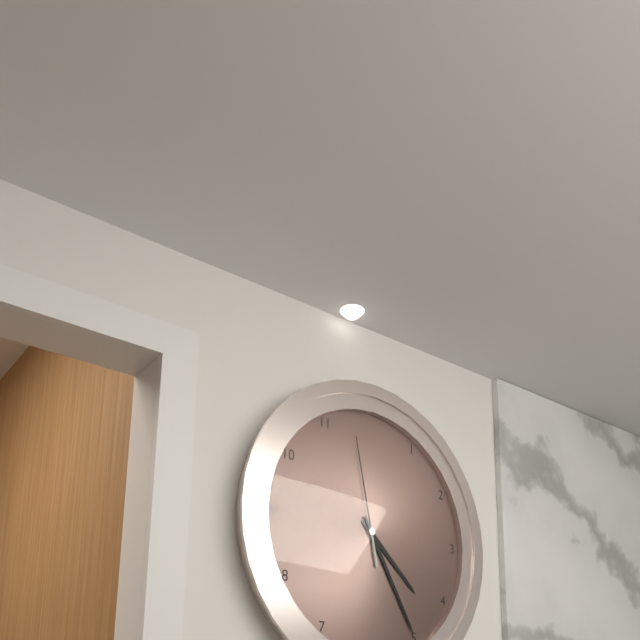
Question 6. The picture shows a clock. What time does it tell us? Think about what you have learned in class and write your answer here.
4:25:58
